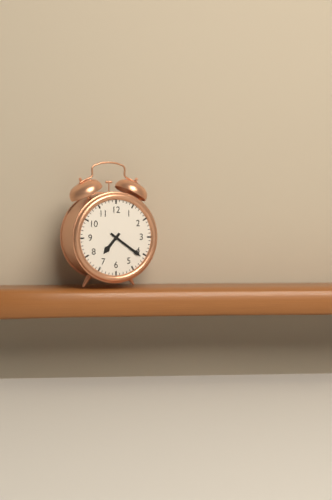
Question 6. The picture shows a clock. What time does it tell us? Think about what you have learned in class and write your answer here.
7:21
